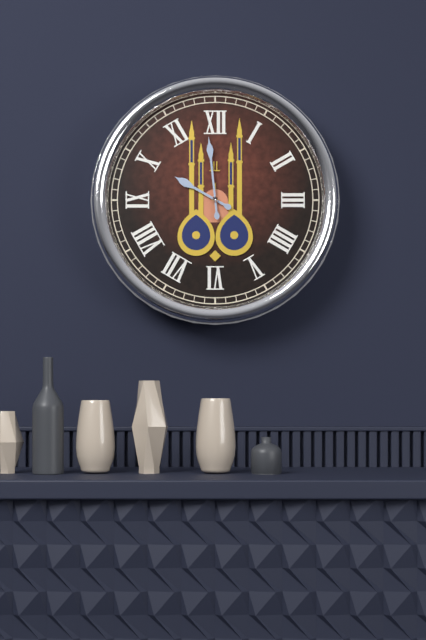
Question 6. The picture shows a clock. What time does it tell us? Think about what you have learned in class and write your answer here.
9:59
